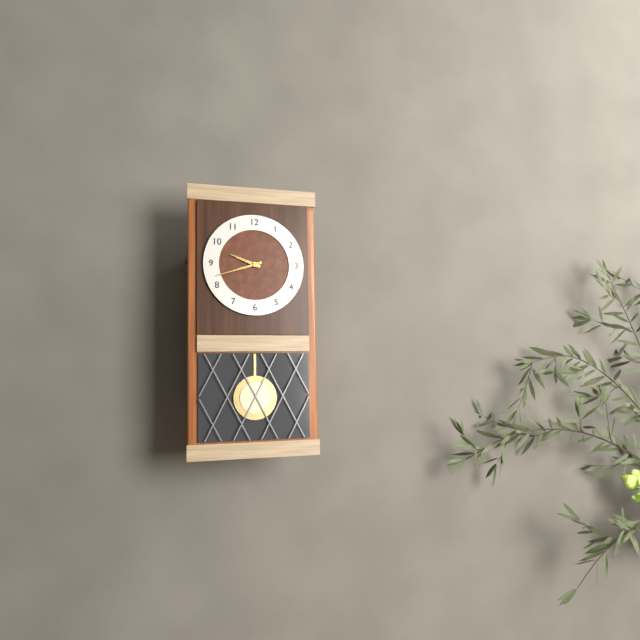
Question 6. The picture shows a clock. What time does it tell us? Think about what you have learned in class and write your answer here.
9:42
